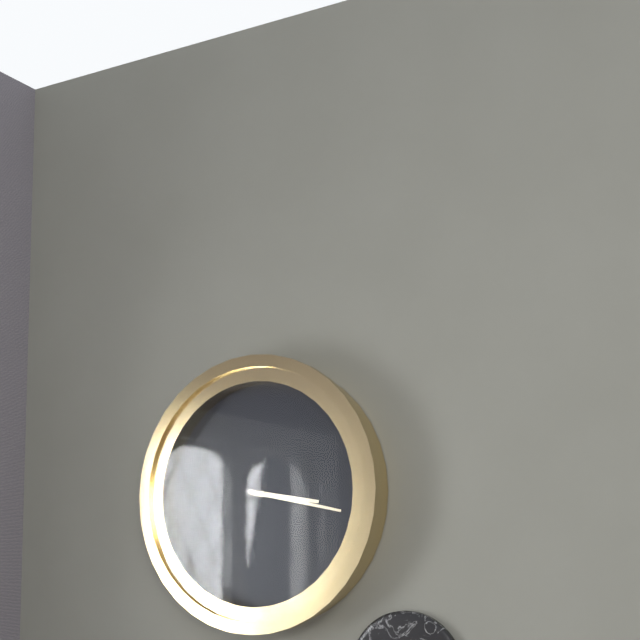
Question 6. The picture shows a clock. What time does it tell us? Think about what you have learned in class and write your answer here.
3:17
